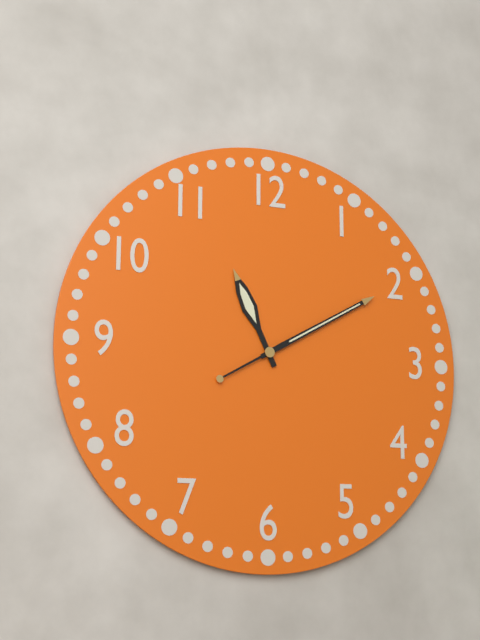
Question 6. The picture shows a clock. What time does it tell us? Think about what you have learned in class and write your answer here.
11:10
